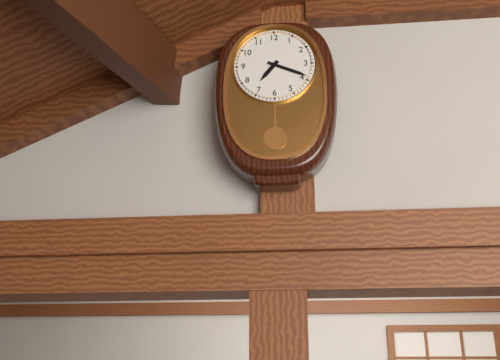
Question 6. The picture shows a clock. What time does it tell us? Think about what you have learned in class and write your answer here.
7:19
